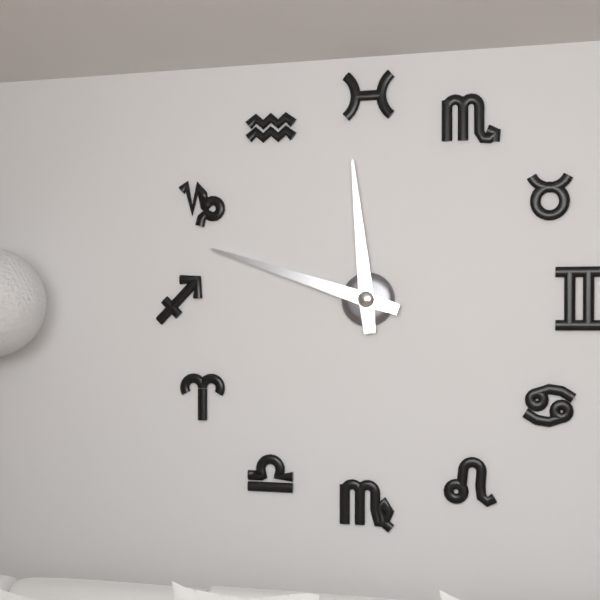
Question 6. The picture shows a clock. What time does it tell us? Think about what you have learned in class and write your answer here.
11:48
